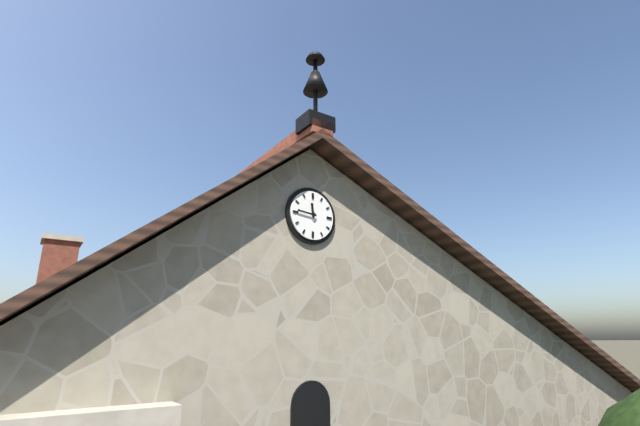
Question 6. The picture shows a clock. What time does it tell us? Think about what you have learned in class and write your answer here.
11:46
